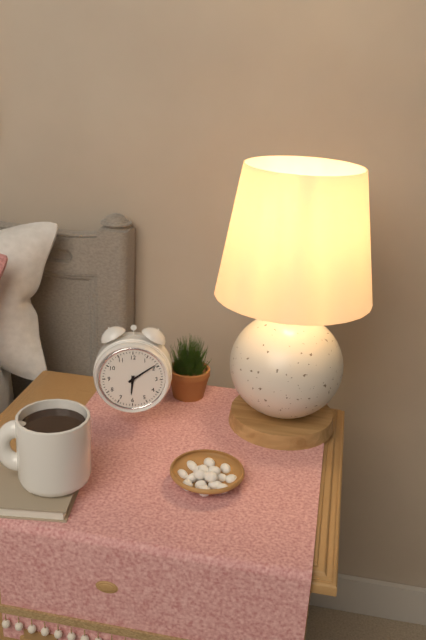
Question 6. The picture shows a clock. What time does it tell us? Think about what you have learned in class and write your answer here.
6:09
